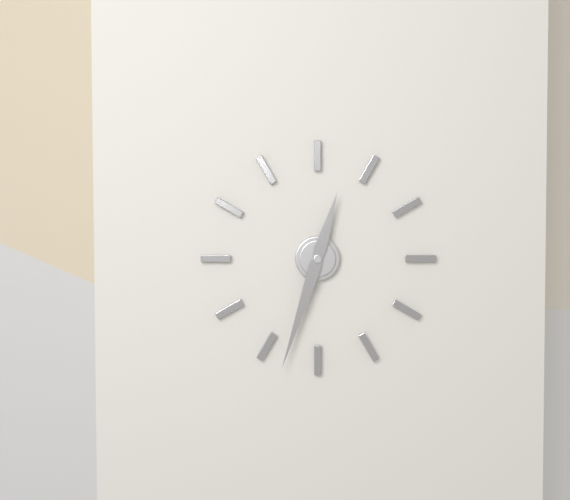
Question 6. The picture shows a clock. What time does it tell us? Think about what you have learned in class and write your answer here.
12:33
